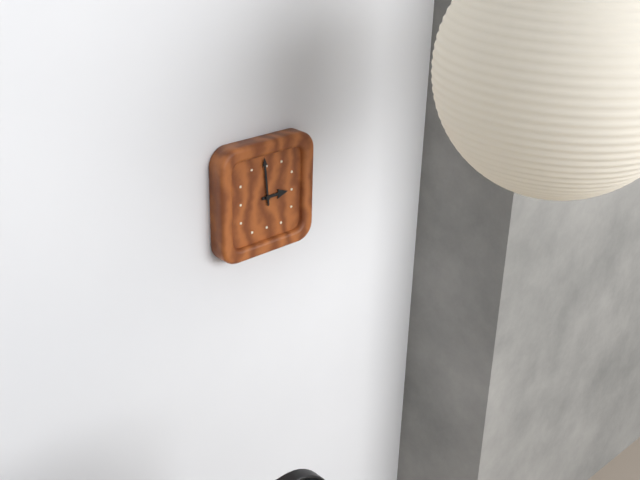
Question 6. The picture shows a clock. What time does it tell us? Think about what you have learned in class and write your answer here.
2:59
